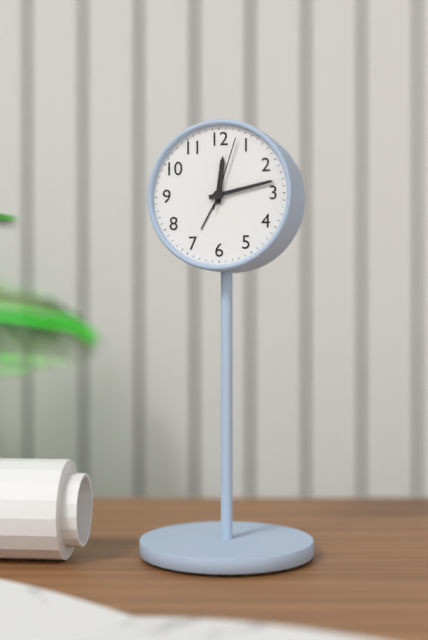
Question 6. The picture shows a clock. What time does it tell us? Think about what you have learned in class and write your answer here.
12:13:03
